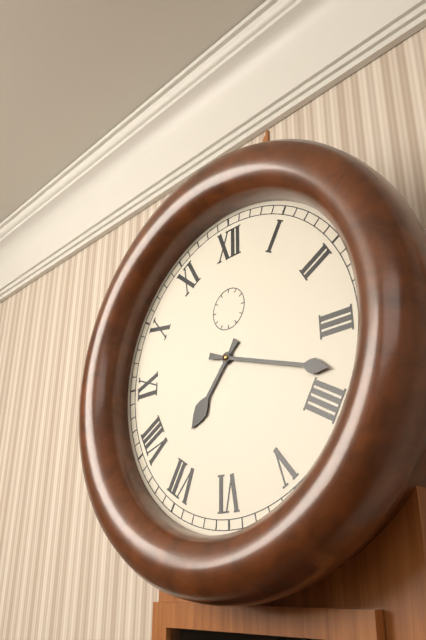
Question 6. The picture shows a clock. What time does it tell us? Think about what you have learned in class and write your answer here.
7:18
